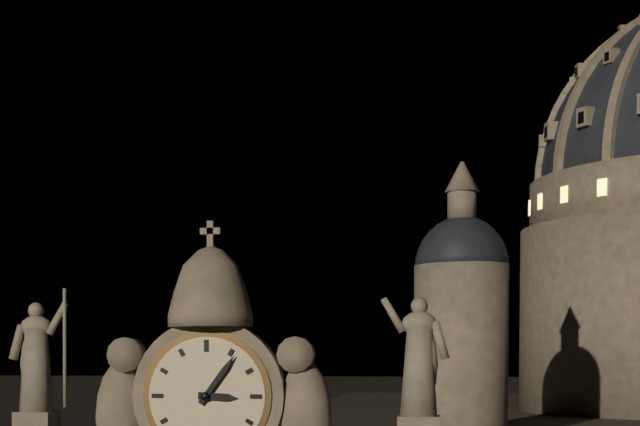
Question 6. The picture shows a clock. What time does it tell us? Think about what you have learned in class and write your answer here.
3:06
